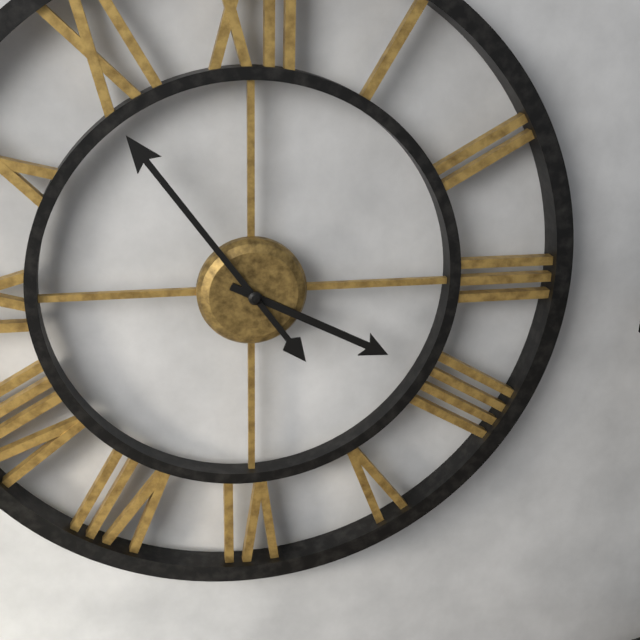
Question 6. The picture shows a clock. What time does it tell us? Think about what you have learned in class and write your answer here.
3:54
